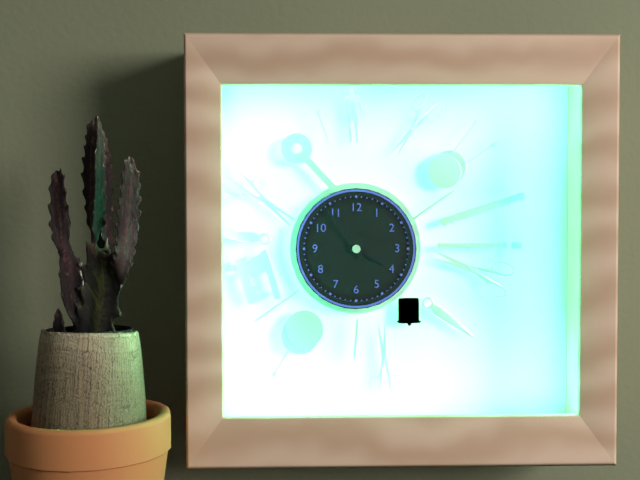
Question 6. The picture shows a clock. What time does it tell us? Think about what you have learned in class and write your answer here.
3:54
